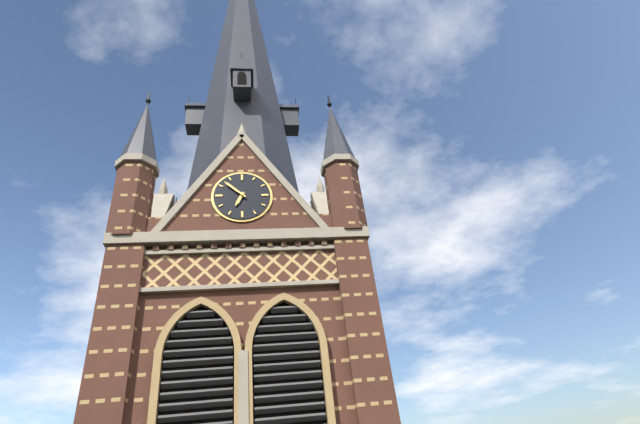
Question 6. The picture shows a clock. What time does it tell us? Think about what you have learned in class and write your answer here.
6:52
